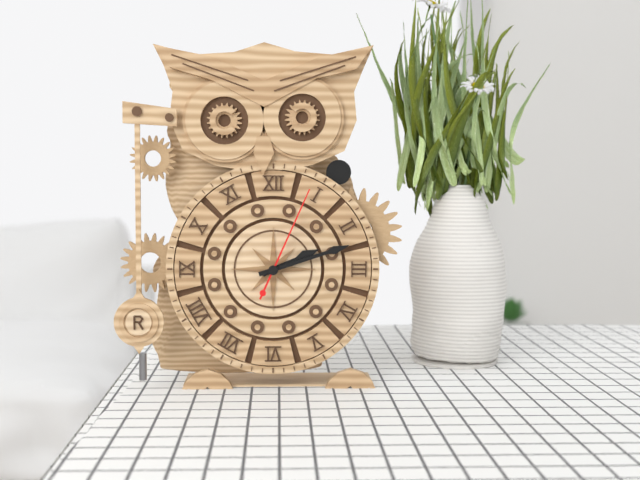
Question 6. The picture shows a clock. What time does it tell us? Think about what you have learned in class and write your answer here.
2:12:04
